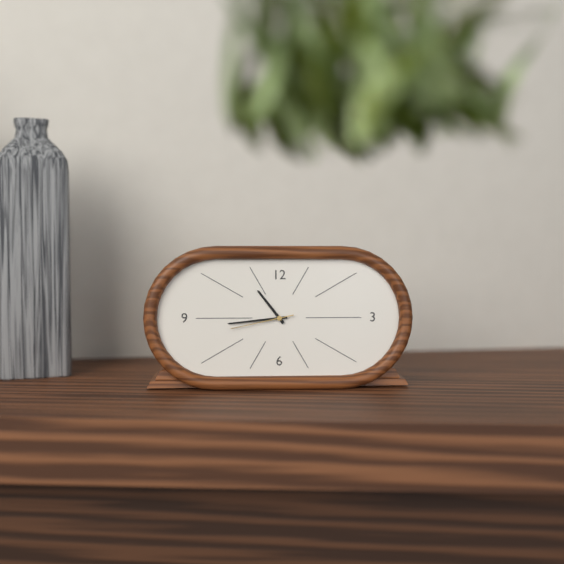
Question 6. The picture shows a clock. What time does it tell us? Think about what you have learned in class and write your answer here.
10:44:43
